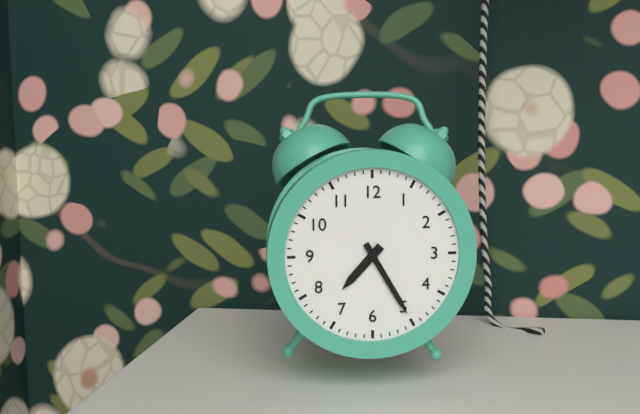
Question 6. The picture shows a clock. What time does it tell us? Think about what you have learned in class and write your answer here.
7:25
